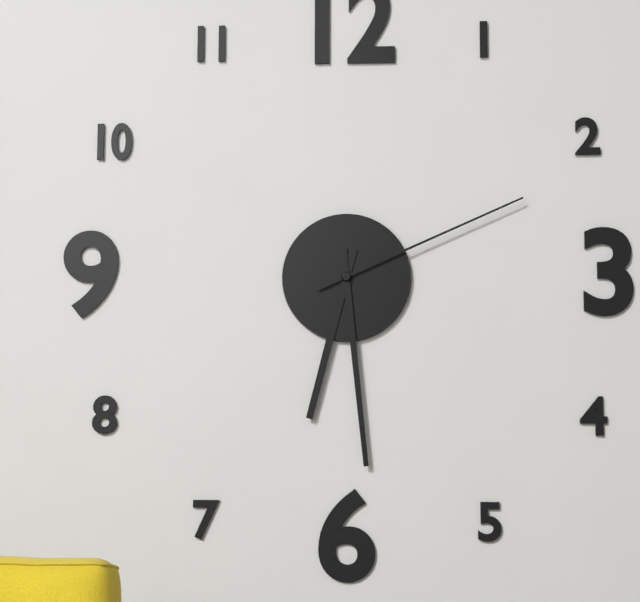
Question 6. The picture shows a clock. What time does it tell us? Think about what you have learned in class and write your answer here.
6:29:11
